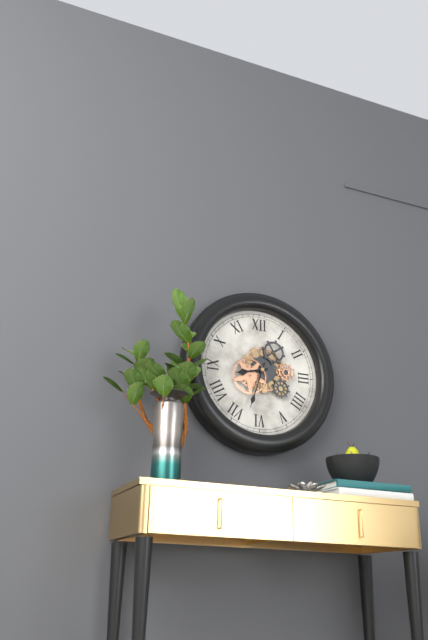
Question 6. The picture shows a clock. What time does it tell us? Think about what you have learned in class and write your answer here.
8:33
